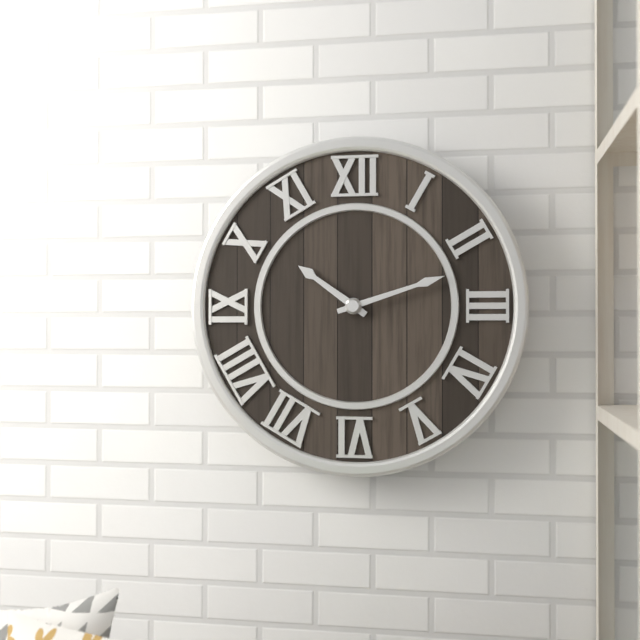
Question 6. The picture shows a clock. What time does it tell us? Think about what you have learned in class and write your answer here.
10:12
